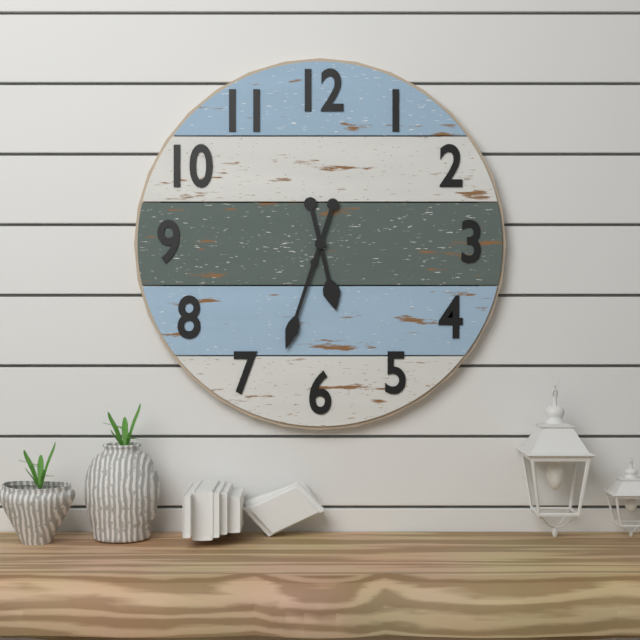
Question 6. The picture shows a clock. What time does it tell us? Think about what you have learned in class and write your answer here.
5:33
